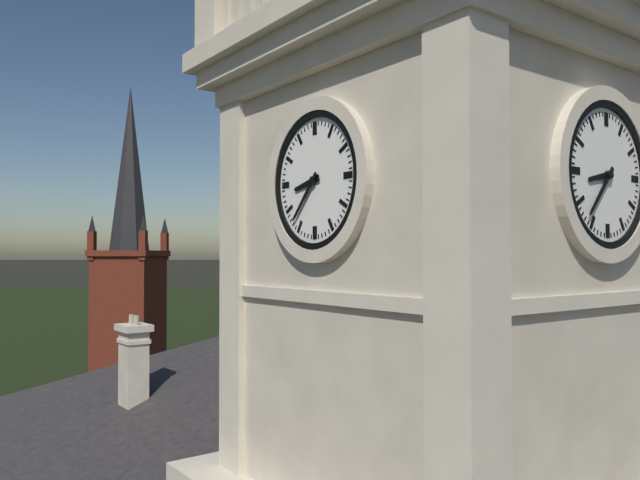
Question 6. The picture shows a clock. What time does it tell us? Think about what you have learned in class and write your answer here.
8:37
